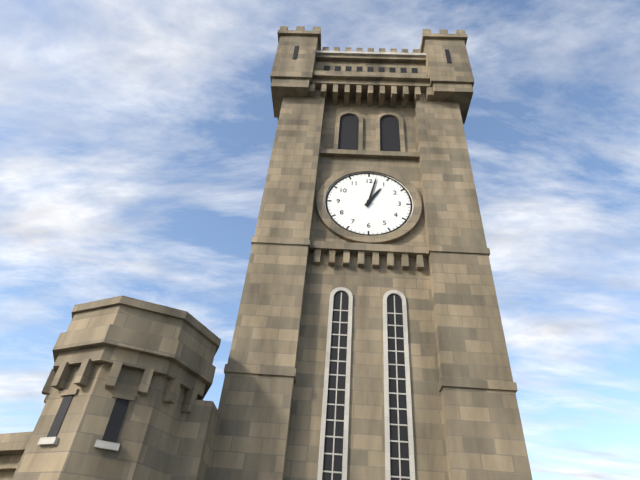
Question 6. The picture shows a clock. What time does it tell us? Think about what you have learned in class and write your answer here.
1:02
